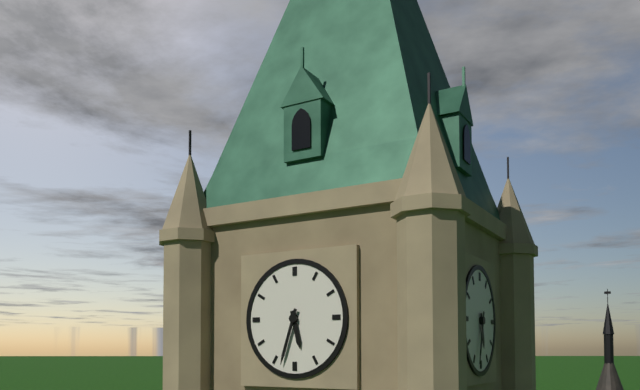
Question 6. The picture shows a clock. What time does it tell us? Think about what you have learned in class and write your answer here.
5:33
